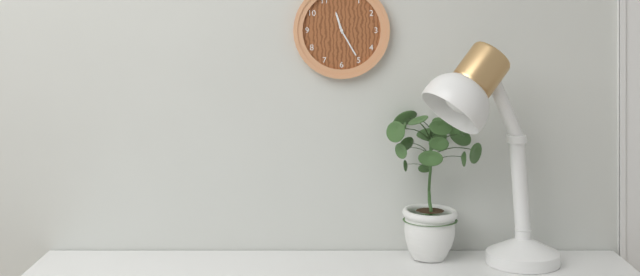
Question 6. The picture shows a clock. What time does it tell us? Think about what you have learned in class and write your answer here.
11:25
